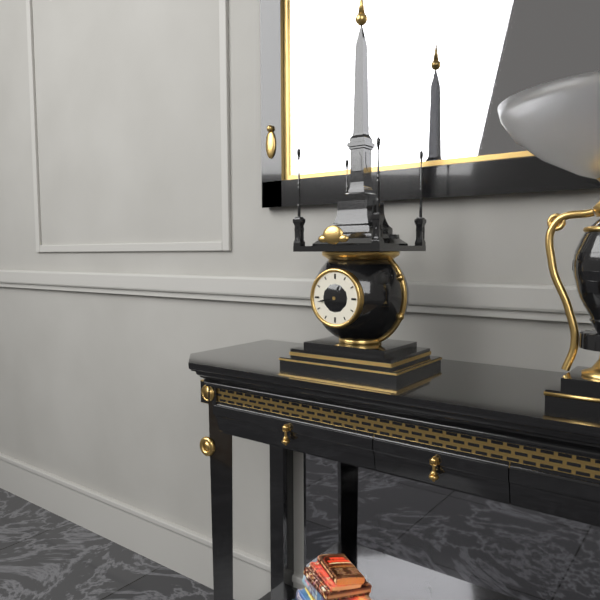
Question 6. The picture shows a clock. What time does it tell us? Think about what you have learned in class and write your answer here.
12:43
